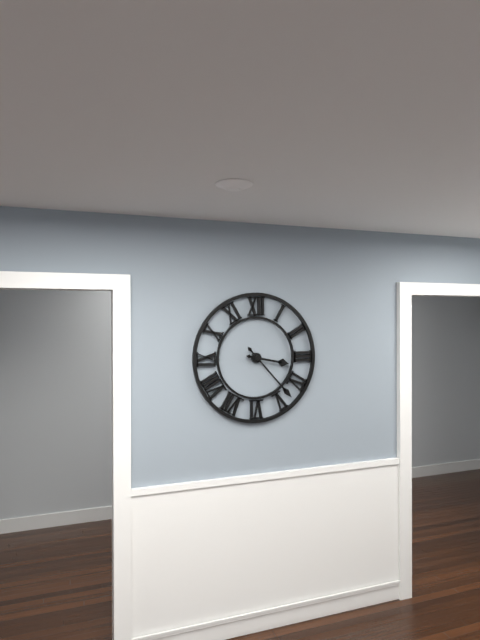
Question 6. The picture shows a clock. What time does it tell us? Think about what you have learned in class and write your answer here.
3:23
